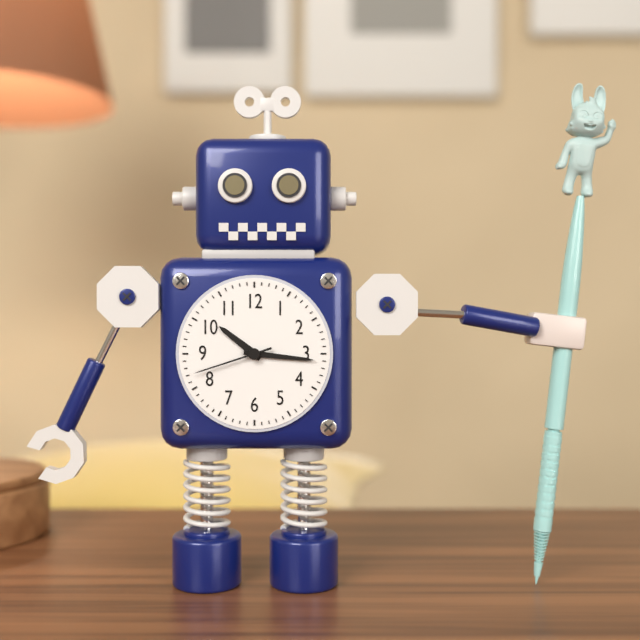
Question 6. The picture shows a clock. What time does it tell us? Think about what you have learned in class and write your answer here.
10:16:42
